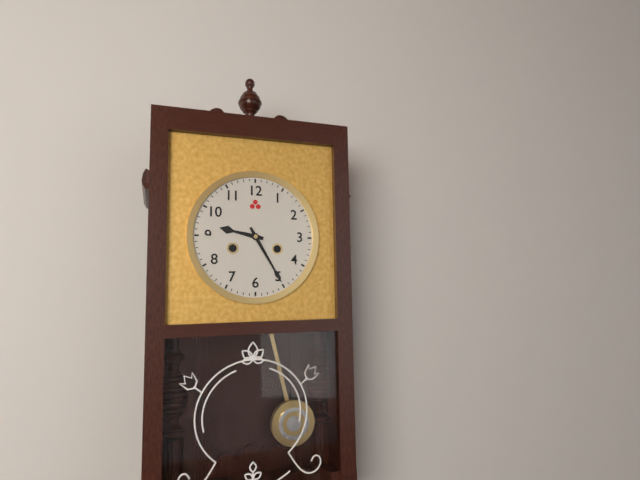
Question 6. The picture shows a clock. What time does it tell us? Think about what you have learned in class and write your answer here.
9:25
